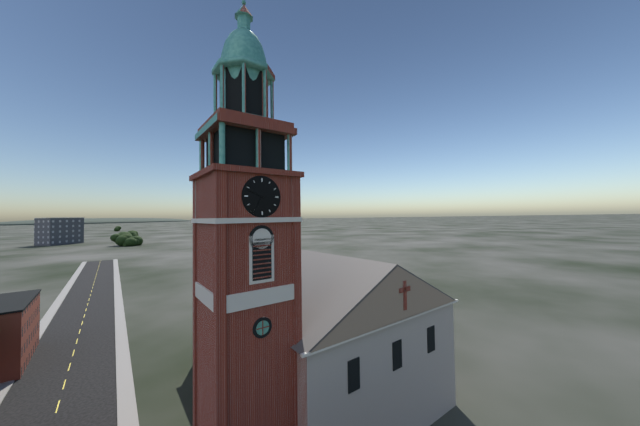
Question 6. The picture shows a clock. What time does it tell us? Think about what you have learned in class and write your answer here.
6:49
